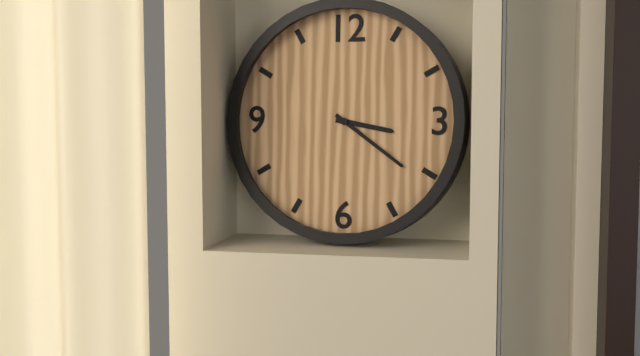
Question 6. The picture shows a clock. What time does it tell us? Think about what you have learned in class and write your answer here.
3:21
